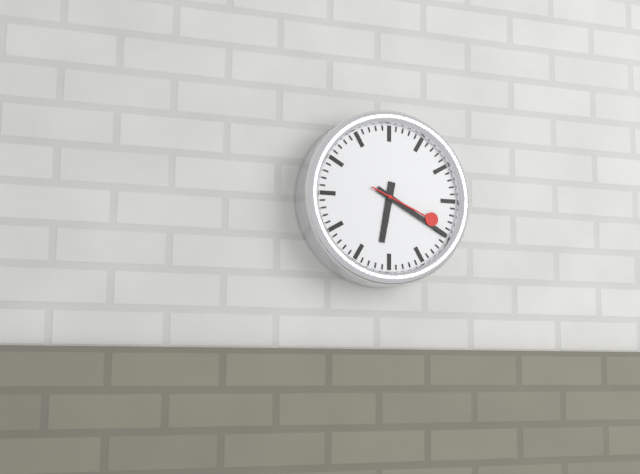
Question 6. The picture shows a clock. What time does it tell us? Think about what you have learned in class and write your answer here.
6:20:19
